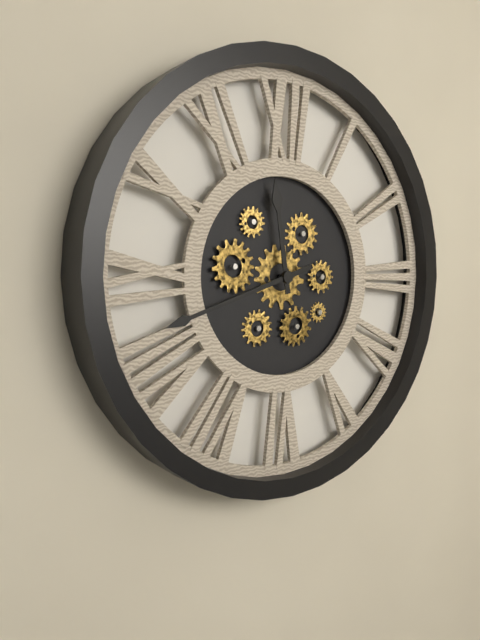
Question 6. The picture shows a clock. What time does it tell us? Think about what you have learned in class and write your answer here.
11:42
